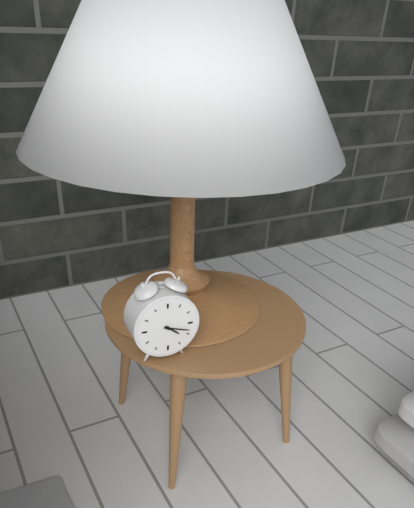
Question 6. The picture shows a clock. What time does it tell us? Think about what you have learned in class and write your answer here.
4:18
